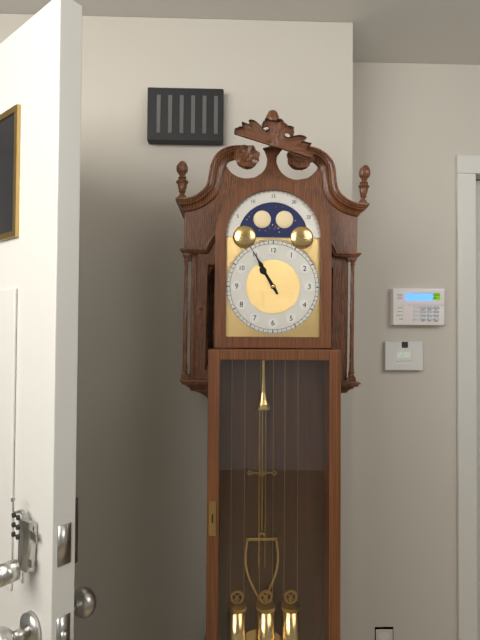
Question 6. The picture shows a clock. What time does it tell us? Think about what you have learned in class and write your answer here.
10:55
